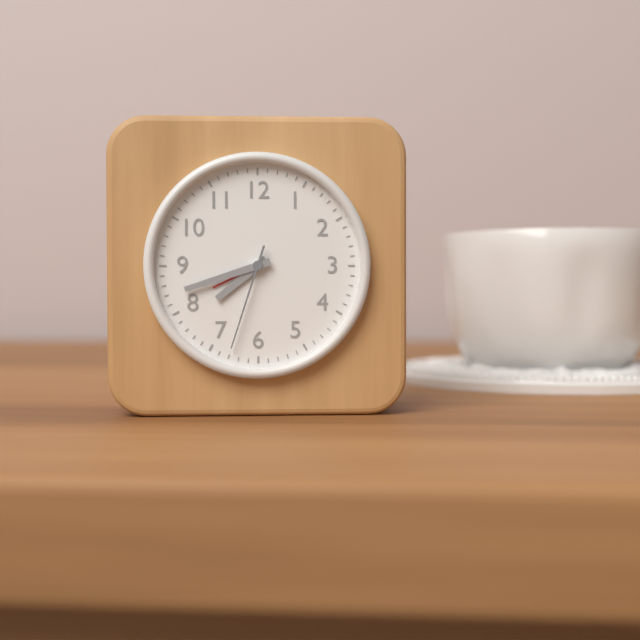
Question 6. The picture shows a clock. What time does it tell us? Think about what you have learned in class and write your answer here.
7:42:33
